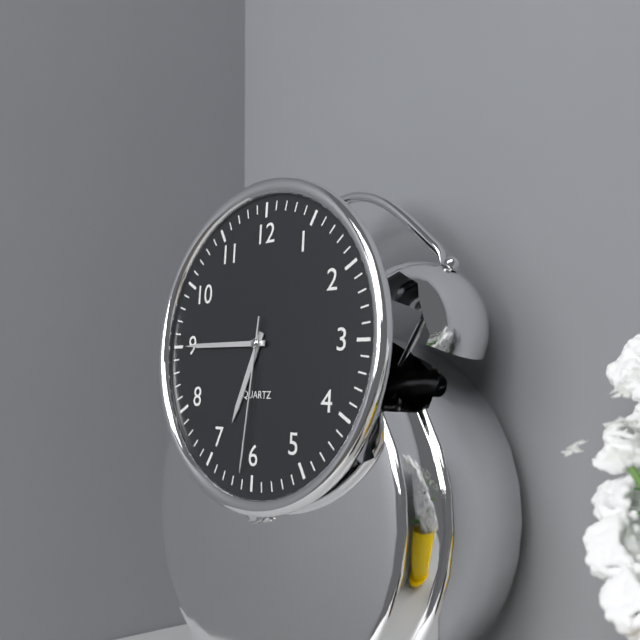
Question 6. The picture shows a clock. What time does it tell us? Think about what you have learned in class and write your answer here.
6:45:31
